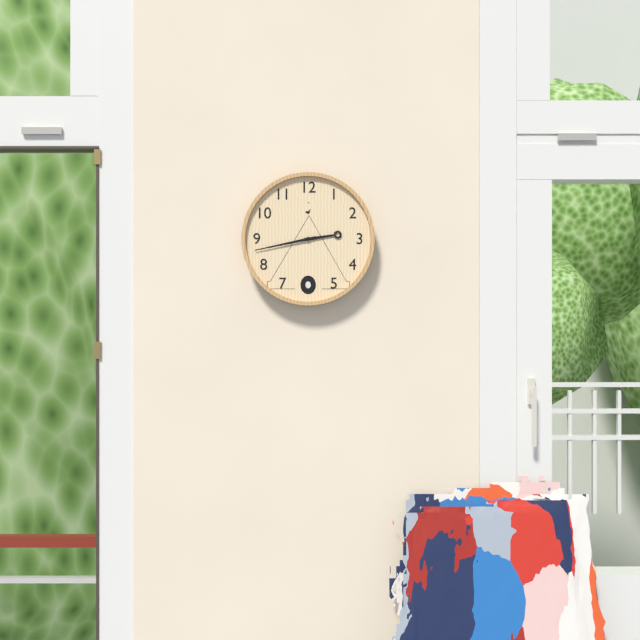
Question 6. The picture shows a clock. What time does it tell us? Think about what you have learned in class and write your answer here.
2:43
